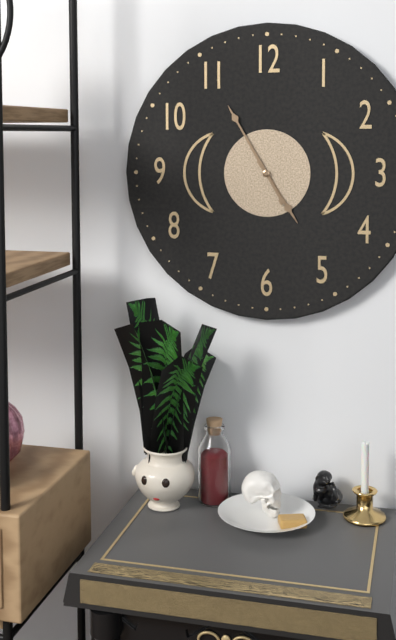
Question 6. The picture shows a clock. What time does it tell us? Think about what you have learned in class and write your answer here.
4:55
